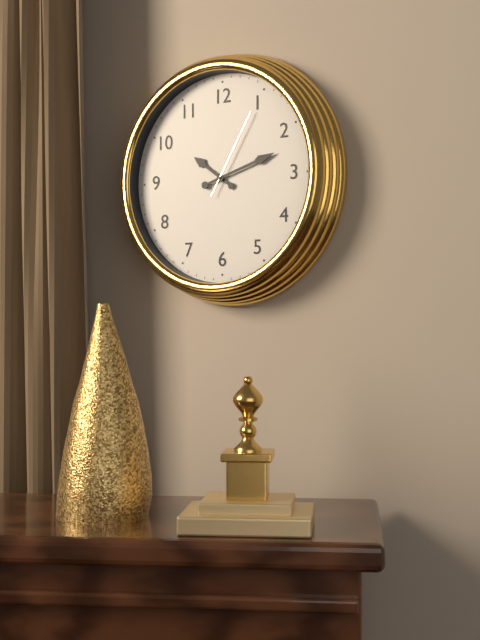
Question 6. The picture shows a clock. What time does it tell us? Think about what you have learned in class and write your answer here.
10:12:05
